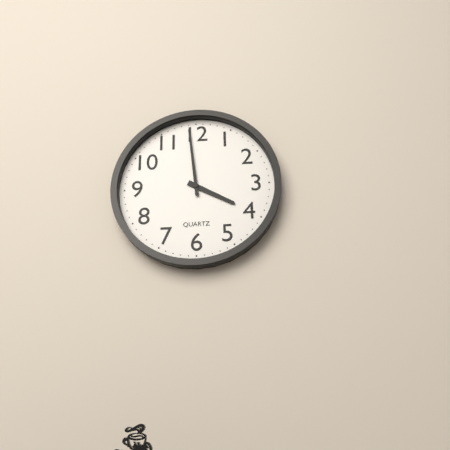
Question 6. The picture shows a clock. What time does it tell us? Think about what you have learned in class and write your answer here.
3:59
